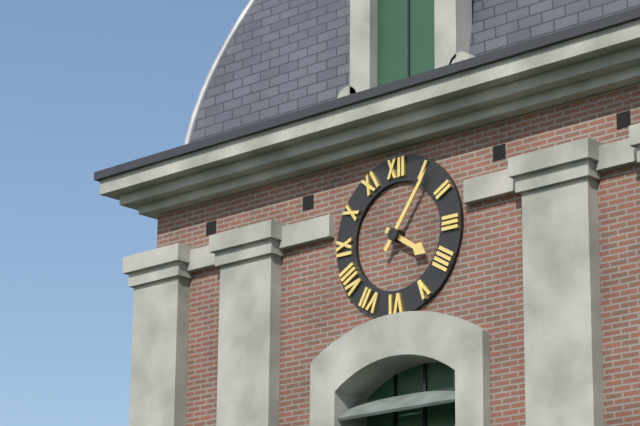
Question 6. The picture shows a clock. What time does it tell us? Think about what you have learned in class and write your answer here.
4:06
